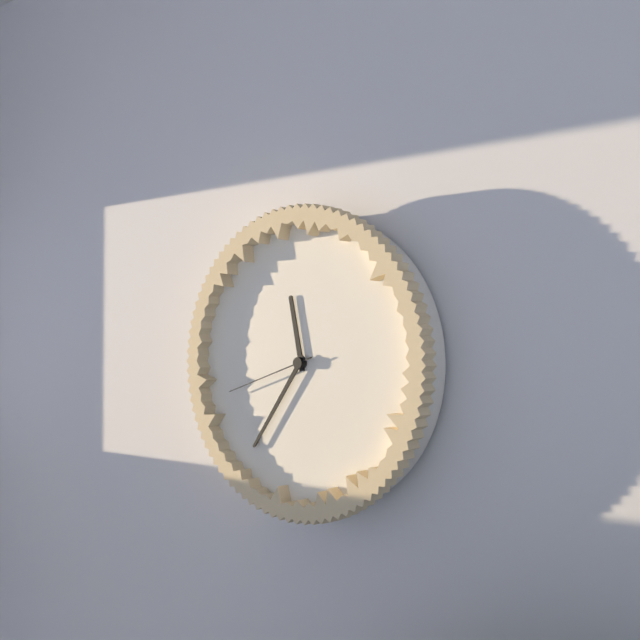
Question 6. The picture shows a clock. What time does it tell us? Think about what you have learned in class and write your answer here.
11:36:42
